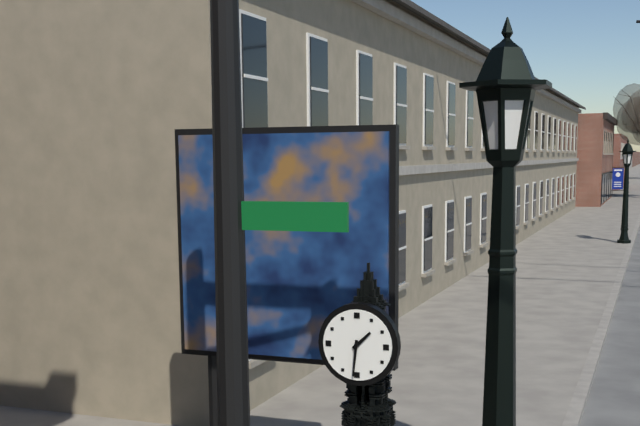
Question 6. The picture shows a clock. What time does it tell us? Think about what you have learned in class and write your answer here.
1:31
